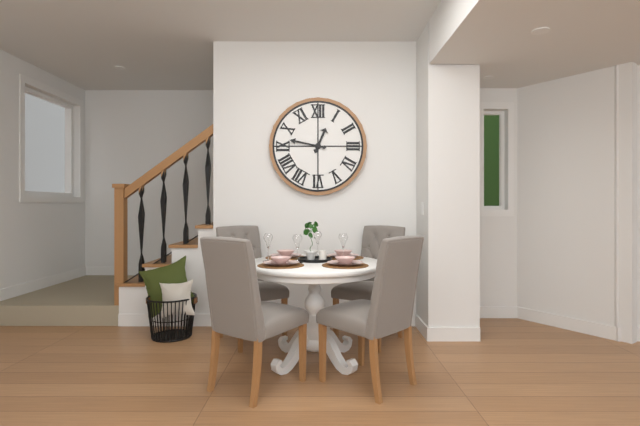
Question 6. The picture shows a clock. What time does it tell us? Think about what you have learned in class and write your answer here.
12:47
